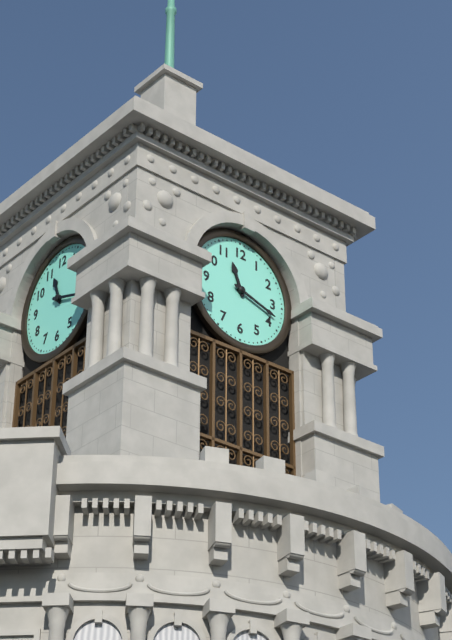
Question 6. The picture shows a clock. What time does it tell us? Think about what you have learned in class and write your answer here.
11:18
